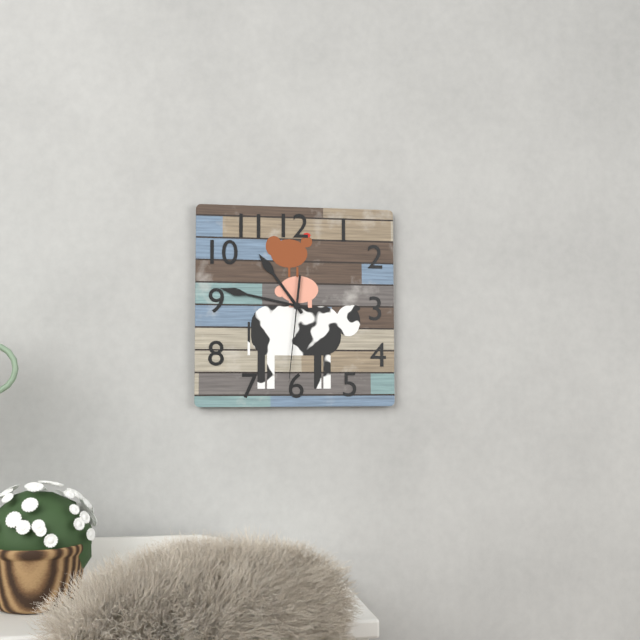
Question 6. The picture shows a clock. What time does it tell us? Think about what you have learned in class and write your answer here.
10:47:31
